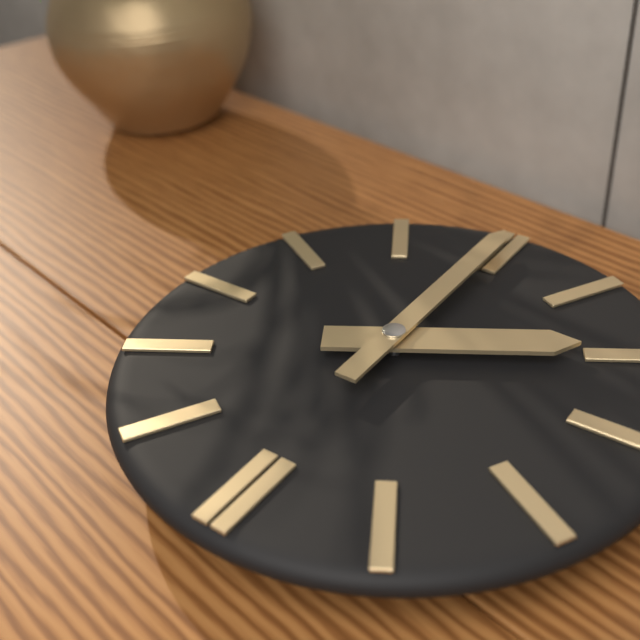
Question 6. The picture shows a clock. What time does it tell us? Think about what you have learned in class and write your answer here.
2:00
